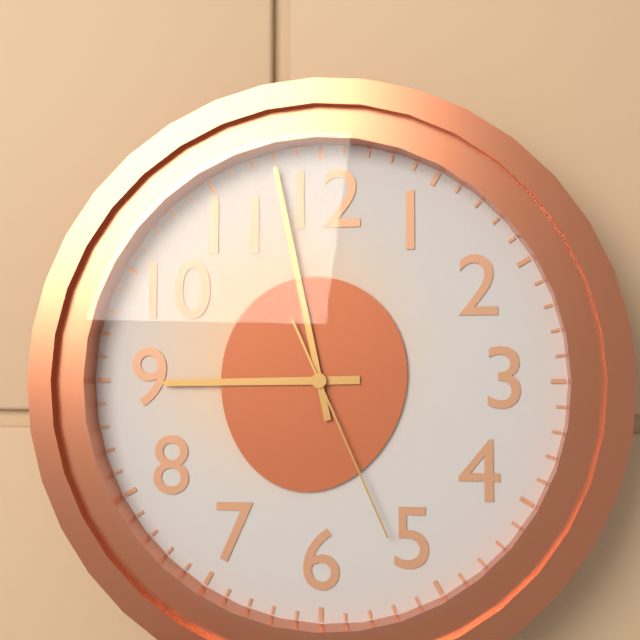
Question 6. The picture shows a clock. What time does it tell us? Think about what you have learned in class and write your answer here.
8:58:26
